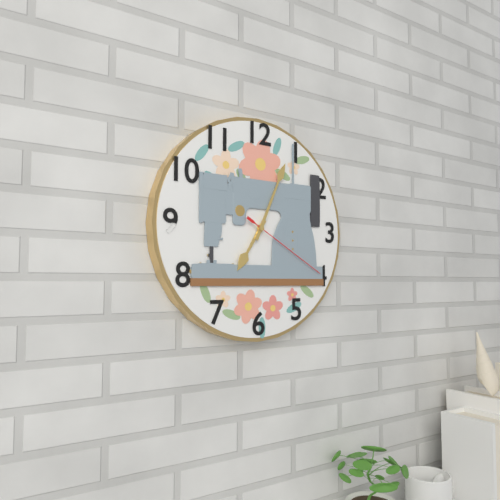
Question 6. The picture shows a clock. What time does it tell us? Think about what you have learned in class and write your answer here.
7:04:20
